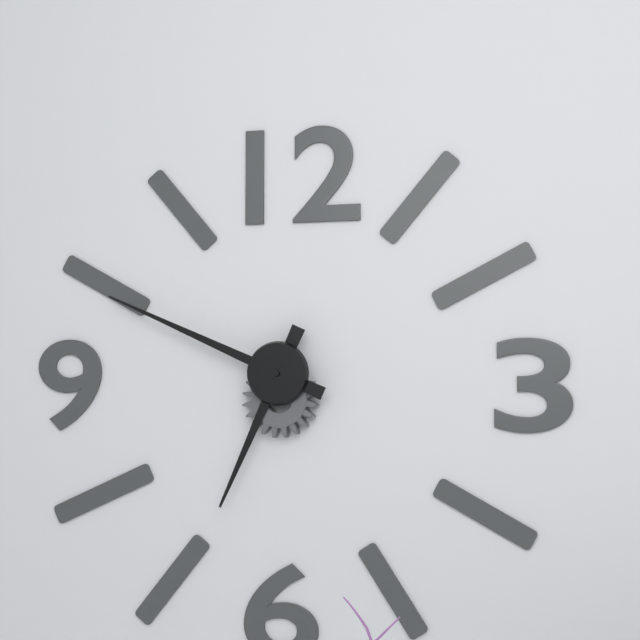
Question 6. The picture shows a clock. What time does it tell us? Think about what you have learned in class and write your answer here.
6:49
